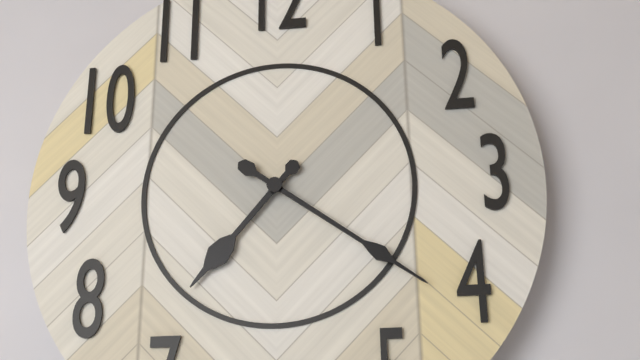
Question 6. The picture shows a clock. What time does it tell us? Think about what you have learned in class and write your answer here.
7:21
